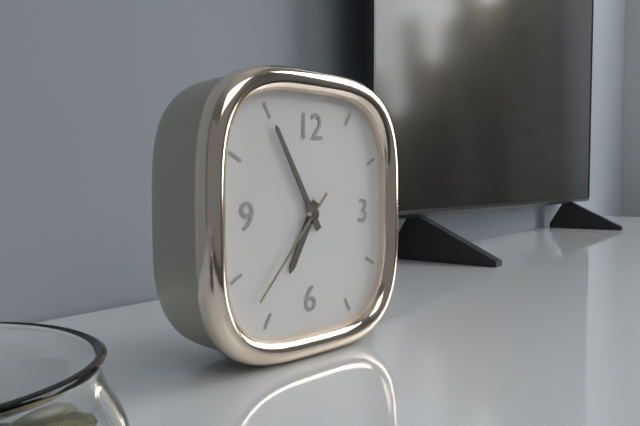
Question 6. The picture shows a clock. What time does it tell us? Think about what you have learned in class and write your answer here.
6:55:37
